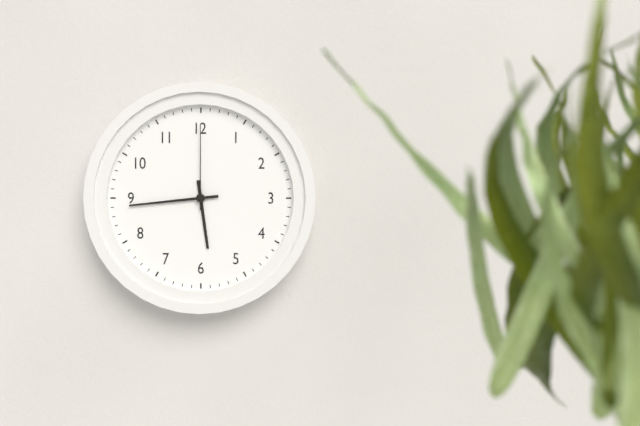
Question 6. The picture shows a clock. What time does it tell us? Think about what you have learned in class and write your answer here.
5:44:00
